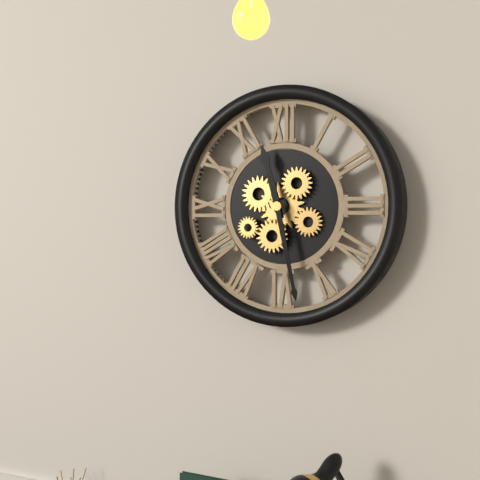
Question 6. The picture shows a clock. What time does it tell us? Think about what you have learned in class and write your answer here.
11:28
